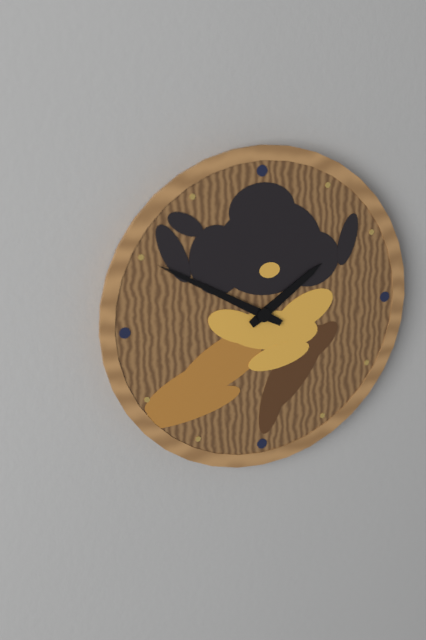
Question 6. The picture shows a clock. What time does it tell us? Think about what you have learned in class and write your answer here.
1:50
